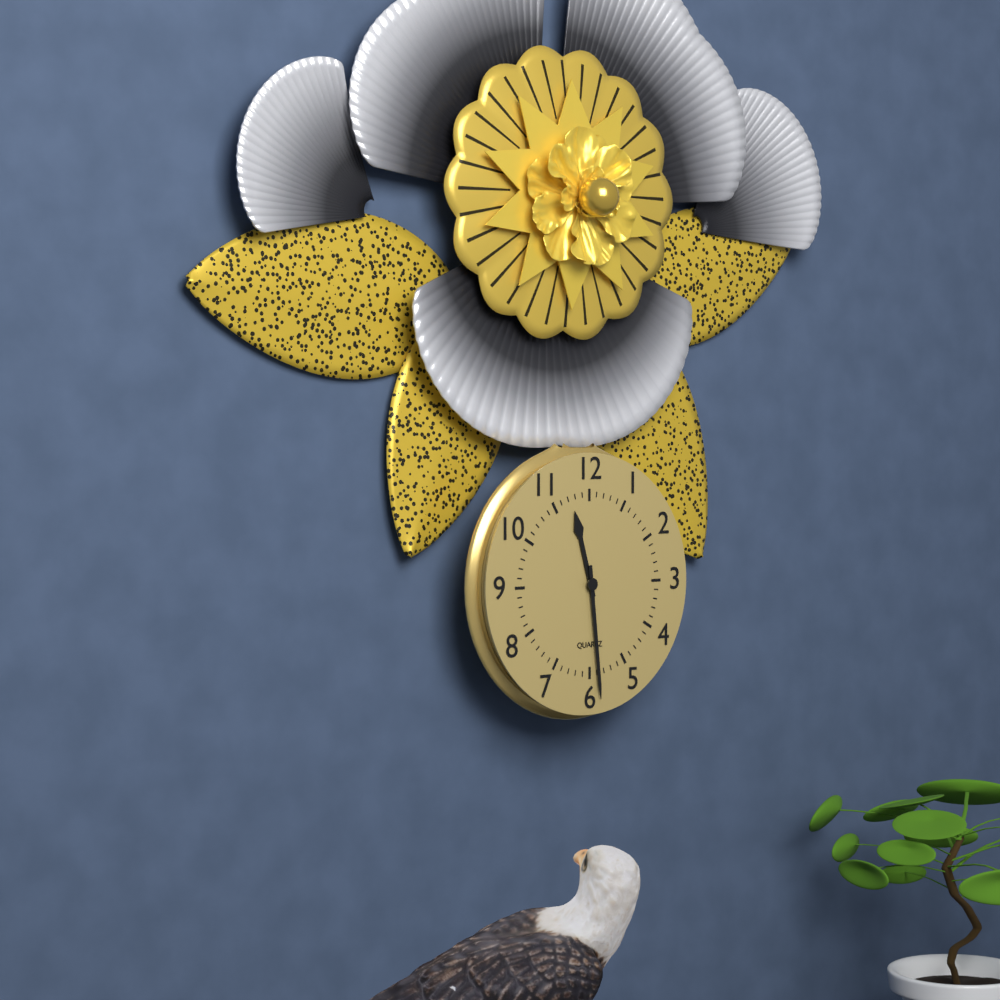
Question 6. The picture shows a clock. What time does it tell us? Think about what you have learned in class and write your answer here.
11:29
